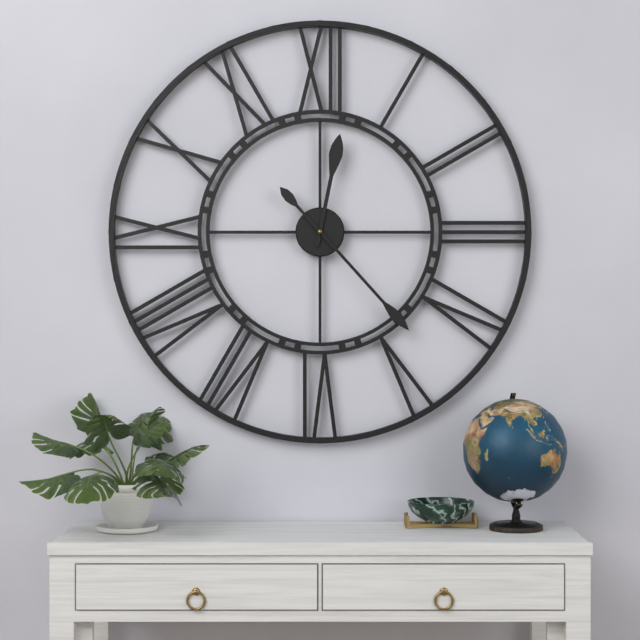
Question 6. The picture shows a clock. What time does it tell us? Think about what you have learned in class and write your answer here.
12:23
